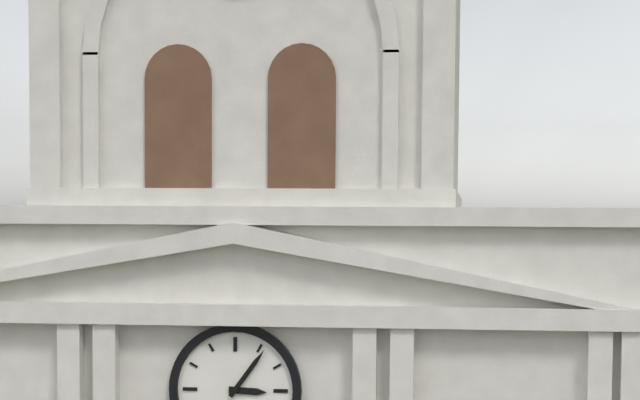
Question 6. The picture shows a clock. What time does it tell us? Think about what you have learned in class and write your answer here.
3:06
